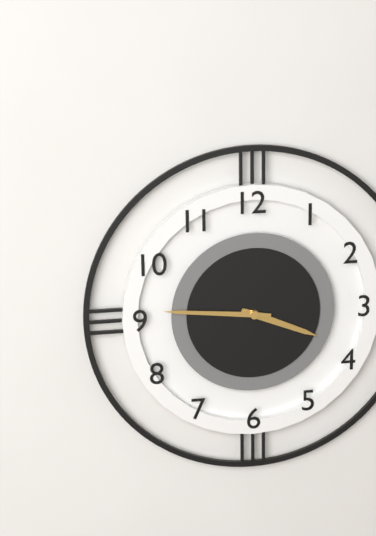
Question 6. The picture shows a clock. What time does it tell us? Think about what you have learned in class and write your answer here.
3:46
